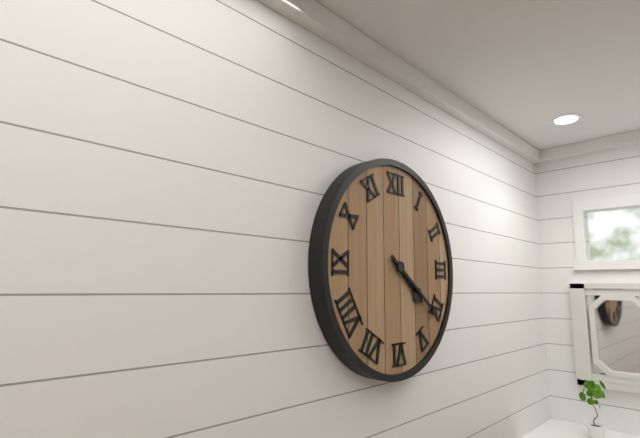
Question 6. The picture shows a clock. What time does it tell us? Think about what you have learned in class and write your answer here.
4:21
